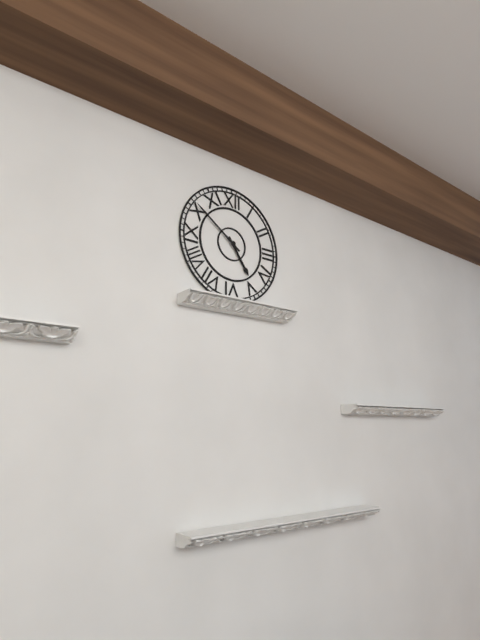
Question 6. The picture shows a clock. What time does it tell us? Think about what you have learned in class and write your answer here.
4:51
